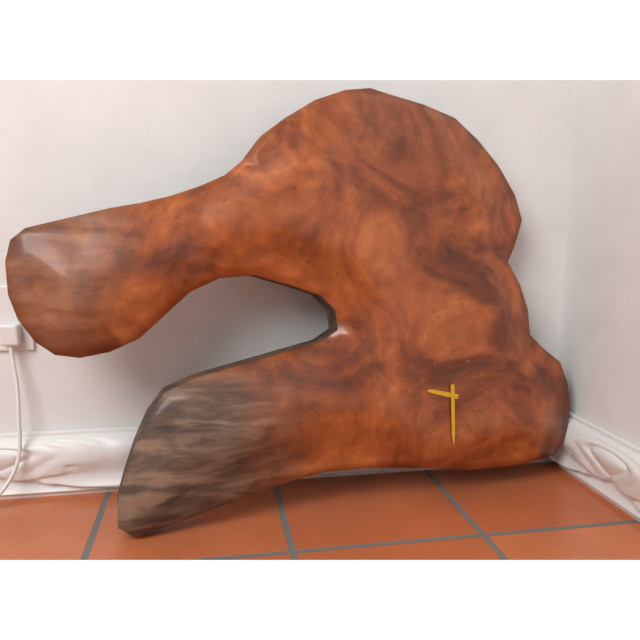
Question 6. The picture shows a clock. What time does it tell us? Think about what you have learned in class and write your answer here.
9:30
